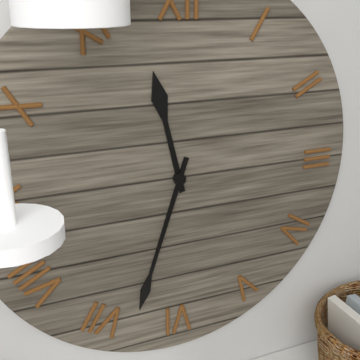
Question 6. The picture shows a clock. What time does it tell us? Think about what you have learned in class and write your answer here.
11:33
